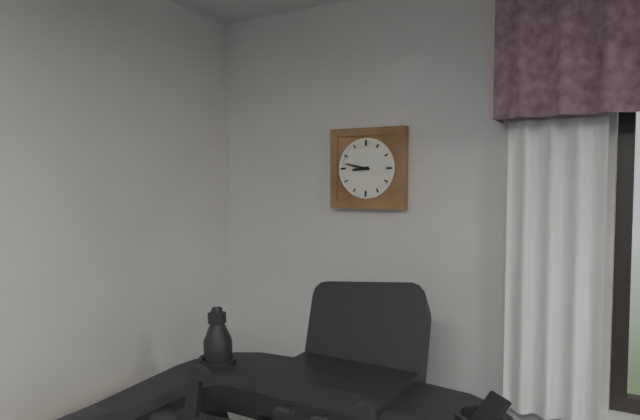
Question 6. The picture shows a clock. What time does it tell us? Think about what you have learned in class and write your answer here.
8:47
